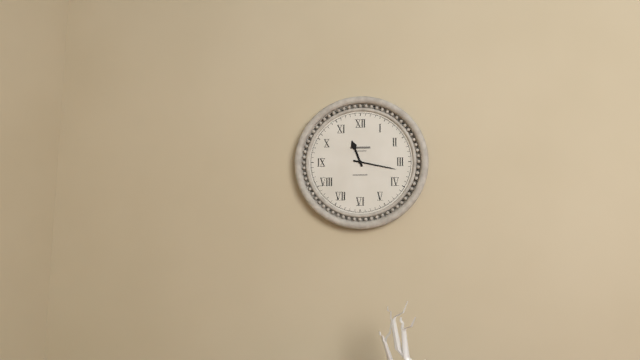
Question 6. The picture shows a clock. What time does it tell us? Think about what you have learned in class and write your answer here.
11:17
